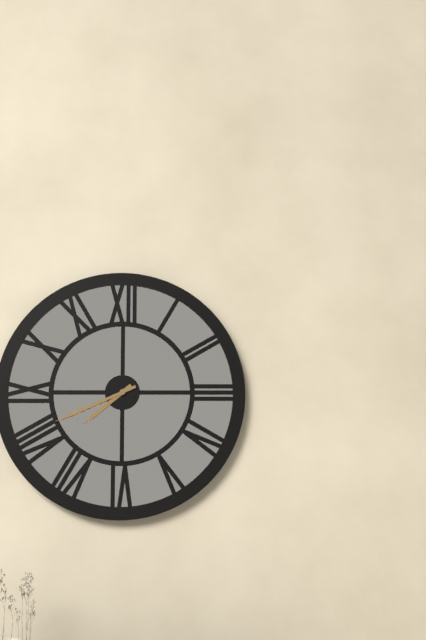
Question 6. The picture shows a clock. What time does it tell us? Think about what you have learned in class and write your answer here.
7:41
